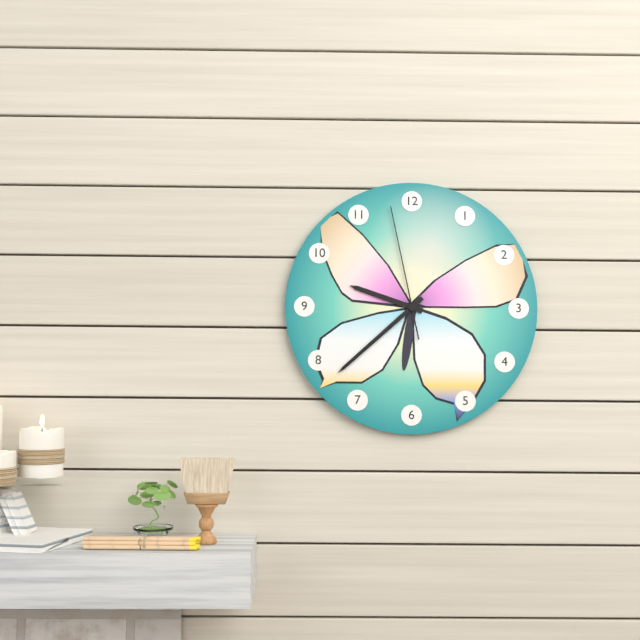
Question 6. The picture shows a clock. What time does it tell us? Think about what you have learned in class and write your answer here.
9:38:58
